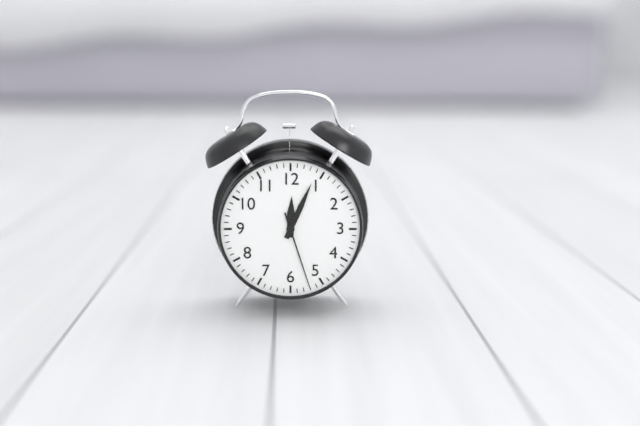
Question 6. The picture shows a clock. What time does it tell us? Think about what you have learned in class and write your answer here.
12:04:27
